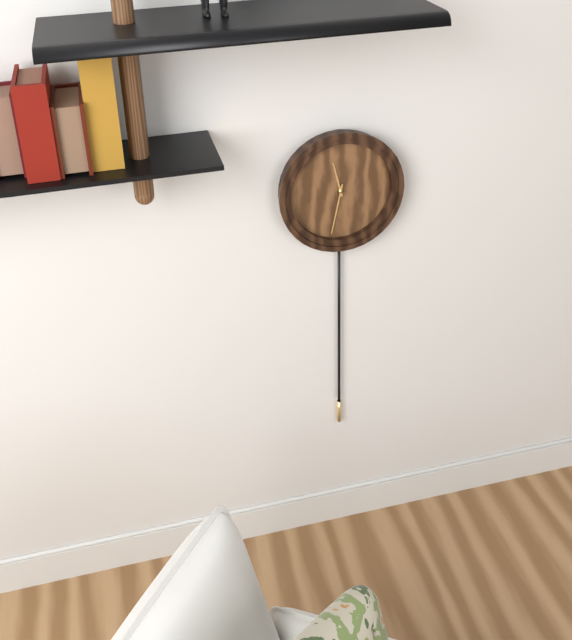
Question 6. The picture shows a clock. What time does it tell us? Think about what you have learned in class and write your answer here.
11:32
